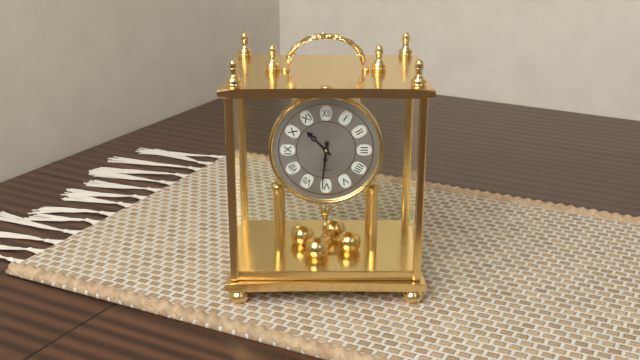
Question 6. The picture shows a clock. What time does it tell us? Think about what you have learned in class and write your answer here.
10:31
